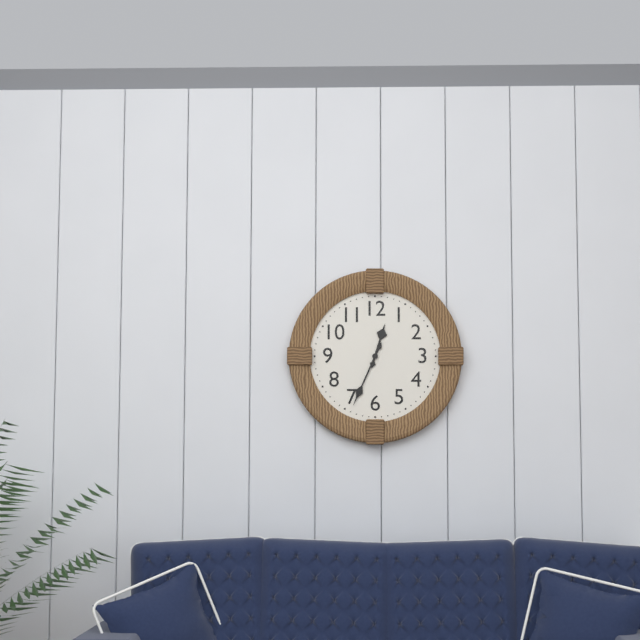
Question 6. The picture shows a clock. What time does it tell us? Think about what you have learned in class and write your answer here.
12:34
